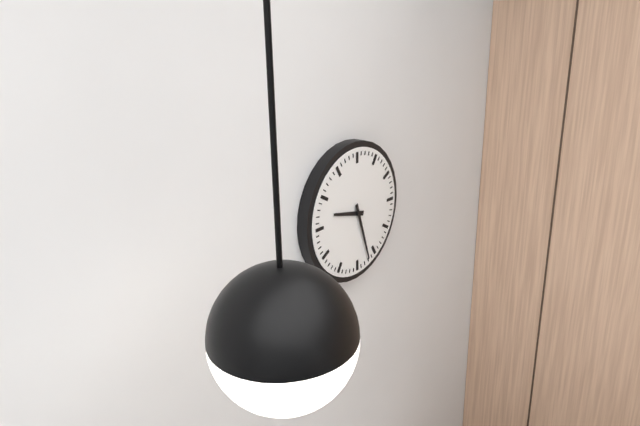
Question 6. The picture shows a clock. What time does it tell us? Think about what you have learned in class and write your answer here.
9:27
